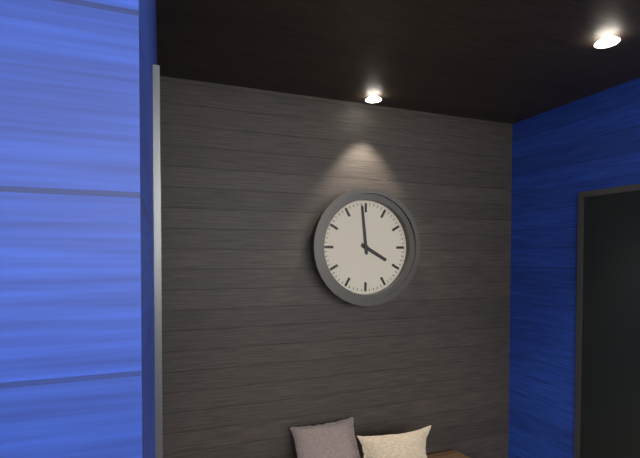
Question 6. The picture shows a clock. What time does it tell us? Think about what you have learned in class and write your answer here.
3:59
